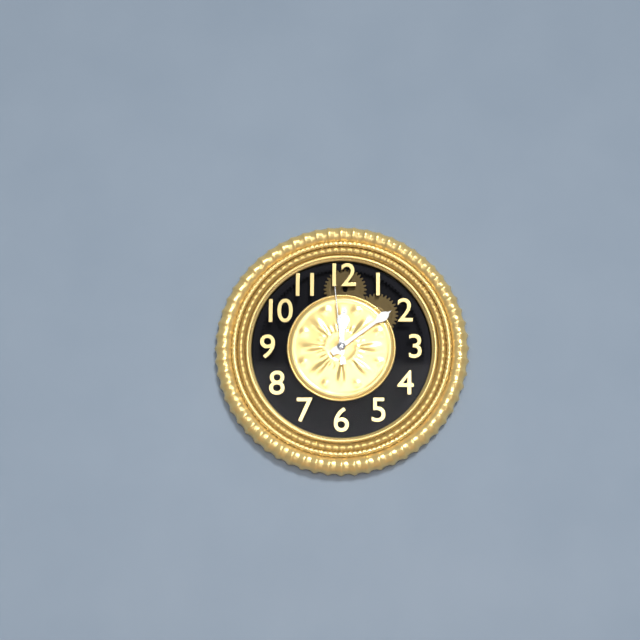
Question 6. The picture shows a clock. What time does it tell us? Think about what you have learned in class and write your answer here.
12:09:59
